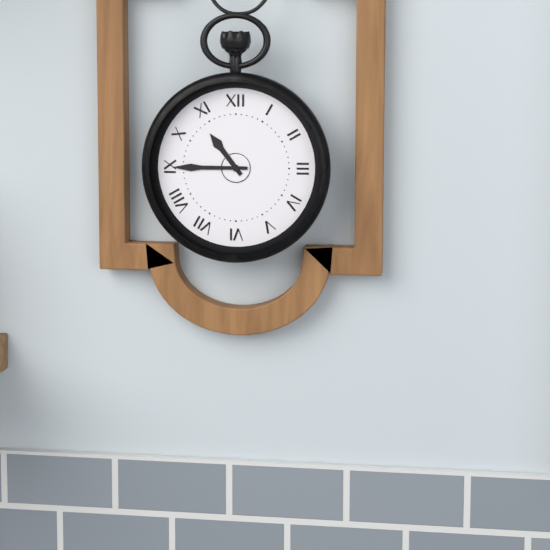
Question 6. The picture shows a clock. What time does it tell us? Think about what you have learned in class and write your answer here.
10:45
